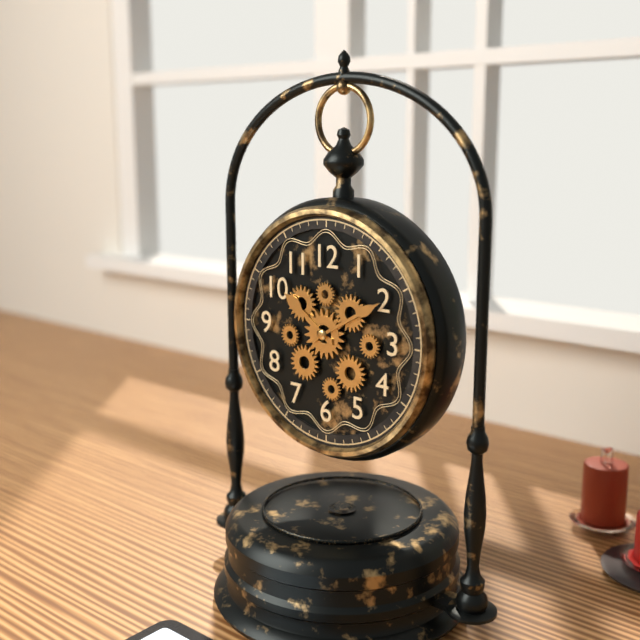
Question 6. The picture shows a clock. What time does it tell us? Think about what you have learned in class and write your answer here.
10:10
